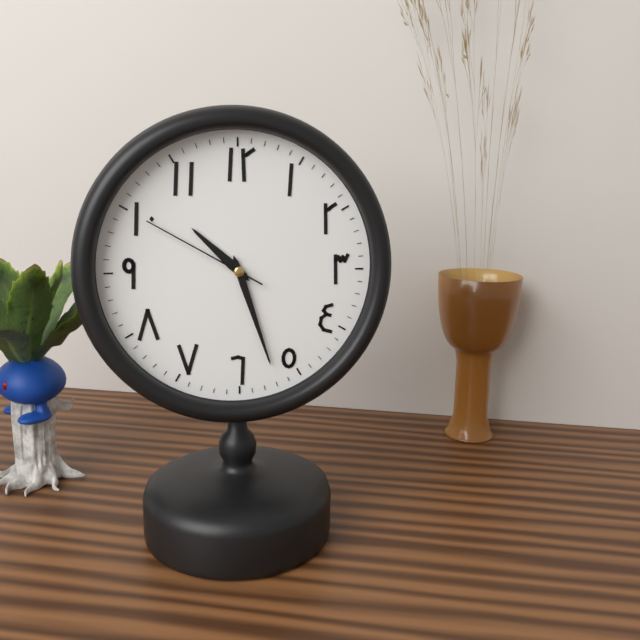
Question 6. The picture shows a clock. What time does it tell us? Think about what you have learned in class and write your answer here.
10:27:50
